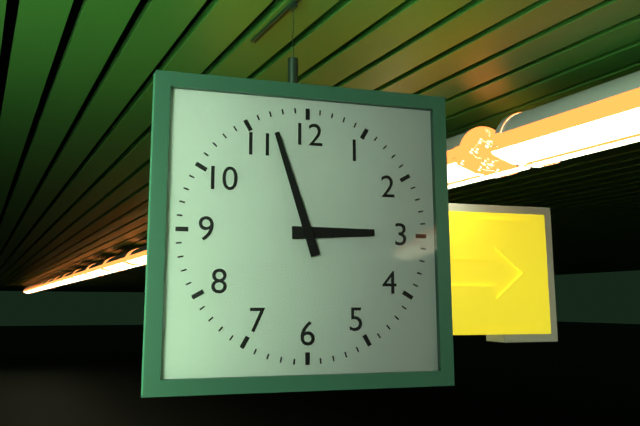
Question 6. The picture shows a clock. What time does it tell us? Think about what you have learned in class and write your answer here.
2:57
